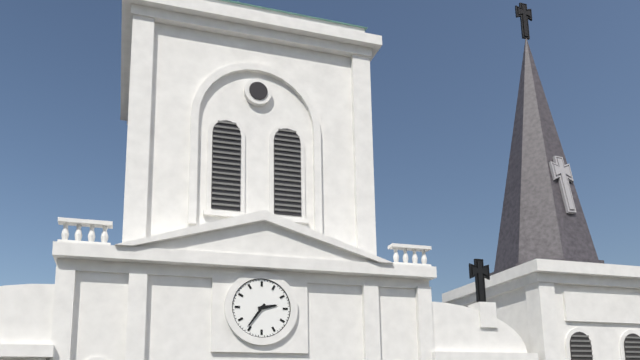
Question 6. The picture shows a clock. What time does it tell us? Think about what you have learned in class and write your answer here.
2:36
